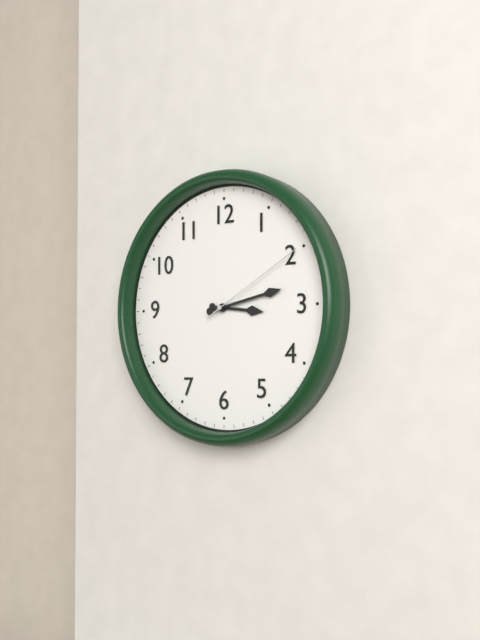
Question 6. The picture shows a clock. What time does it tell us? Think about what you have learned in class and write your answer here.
3:13:10
